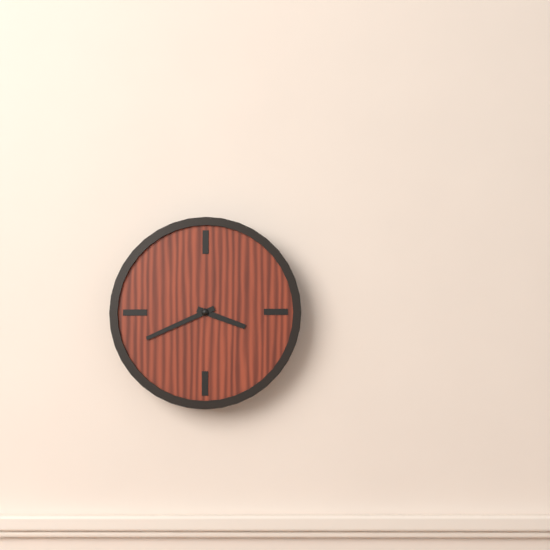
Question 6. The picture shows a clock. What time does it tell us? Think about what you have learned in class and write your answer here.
3:41
